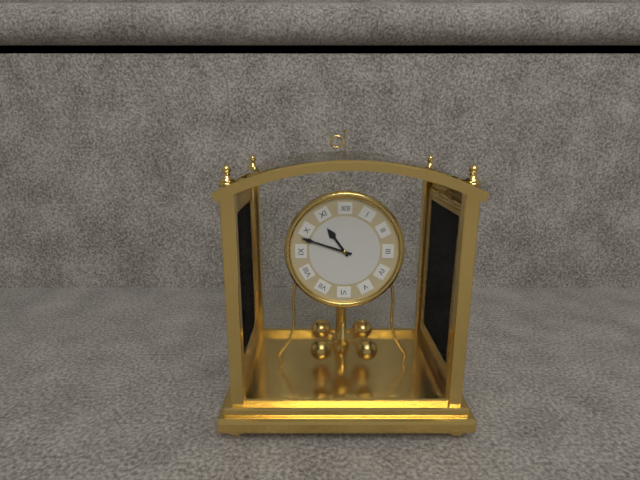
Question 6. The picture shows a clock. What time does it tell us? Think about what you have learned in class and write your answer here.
10:48
